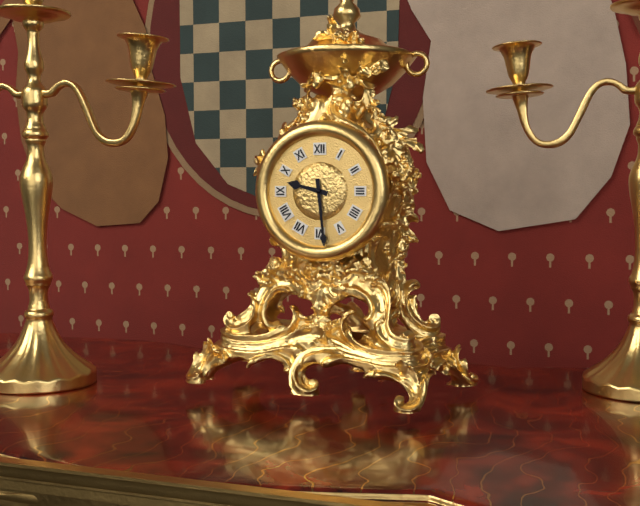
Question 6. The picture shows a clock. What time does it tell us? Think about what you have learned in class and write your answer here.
9:29
